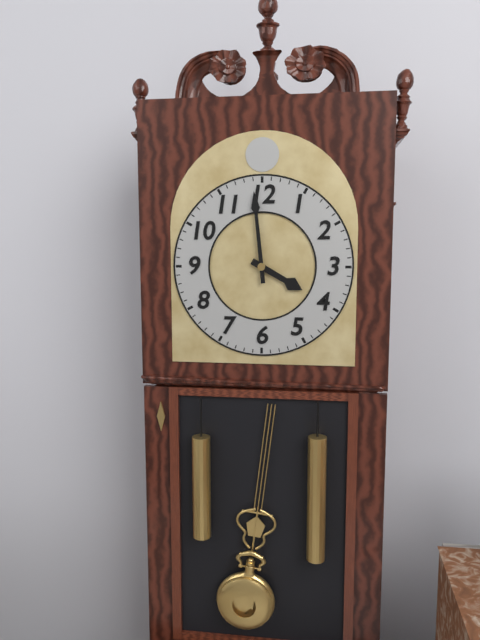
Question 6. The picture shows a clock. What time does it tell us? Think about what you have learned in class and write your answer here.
3:59
